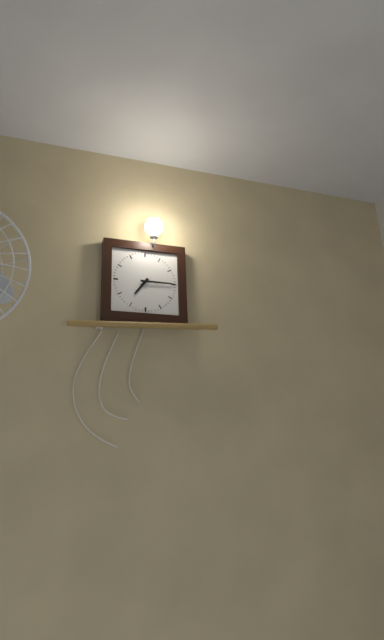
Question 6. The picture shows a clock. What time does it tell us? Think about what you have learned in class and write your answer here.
7:15
